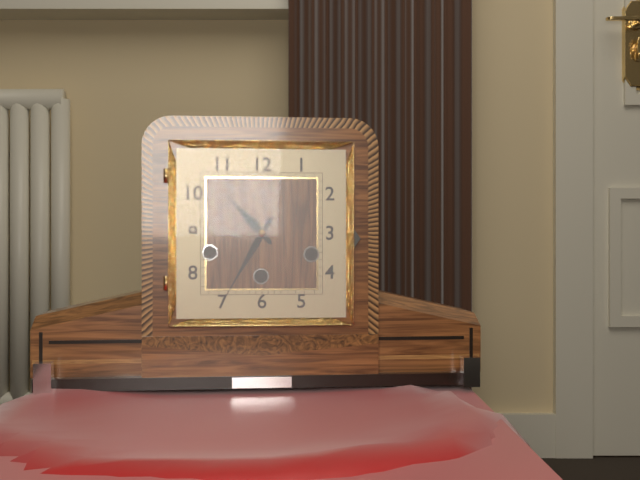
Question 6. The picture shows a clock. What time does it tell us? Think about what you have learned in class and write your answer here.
10:35
